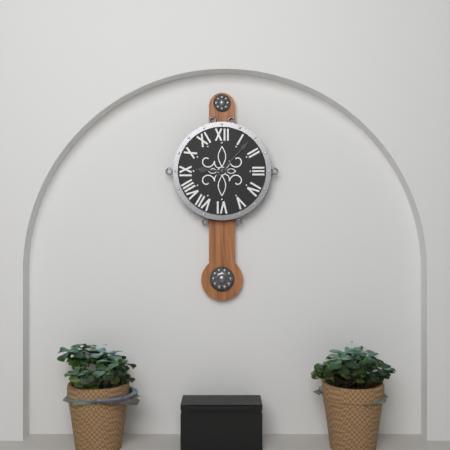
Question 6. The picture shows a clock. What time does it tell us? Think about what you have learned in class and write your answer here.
9:07
